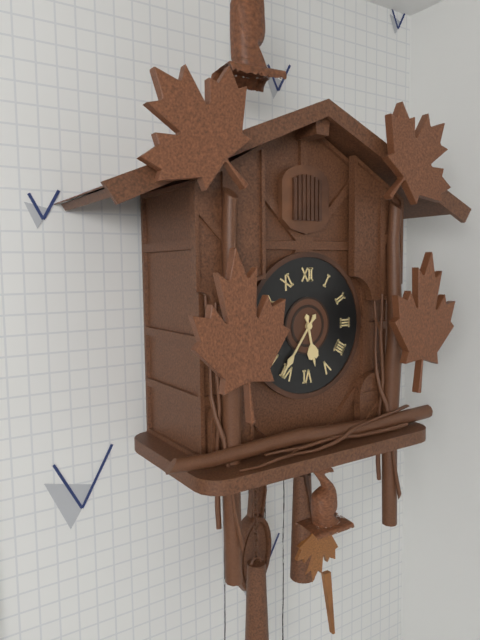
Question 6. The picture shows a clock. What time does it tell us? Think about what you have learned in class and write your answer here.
5:36
